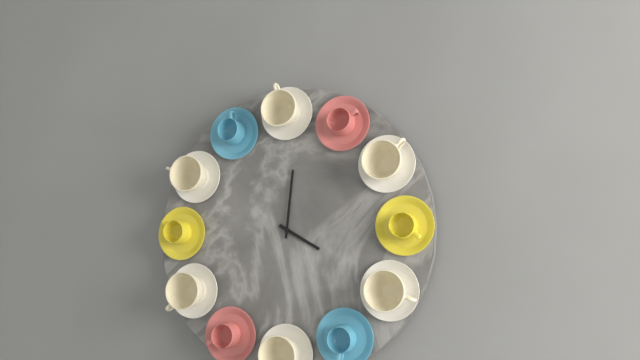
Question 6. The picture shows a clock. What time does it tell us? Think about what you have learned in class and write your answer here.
4:01
